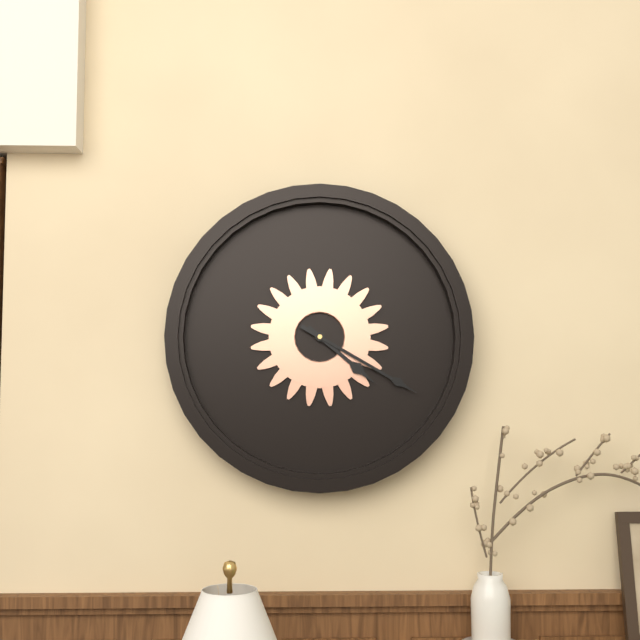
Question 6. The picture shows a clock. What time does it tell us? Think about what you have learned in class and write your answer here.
4:20
